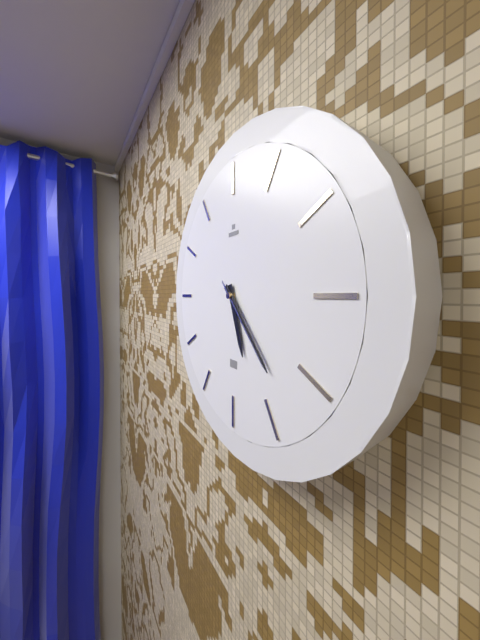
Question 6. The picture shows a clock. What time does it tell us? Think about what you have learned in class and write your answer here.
5:23:23
